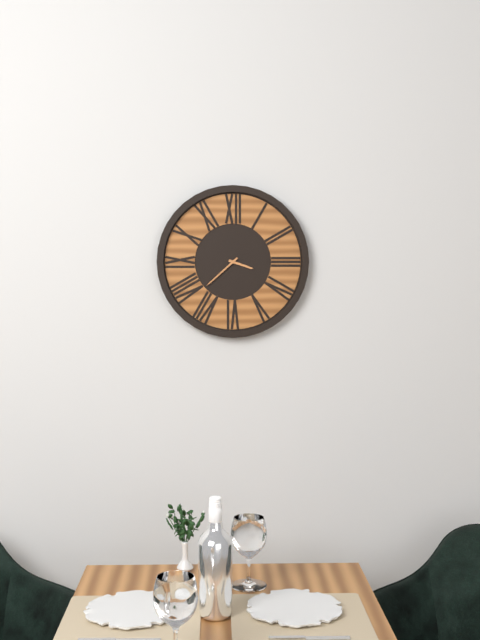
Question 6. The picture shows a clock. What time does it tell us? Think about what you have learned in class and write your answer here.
3:38
